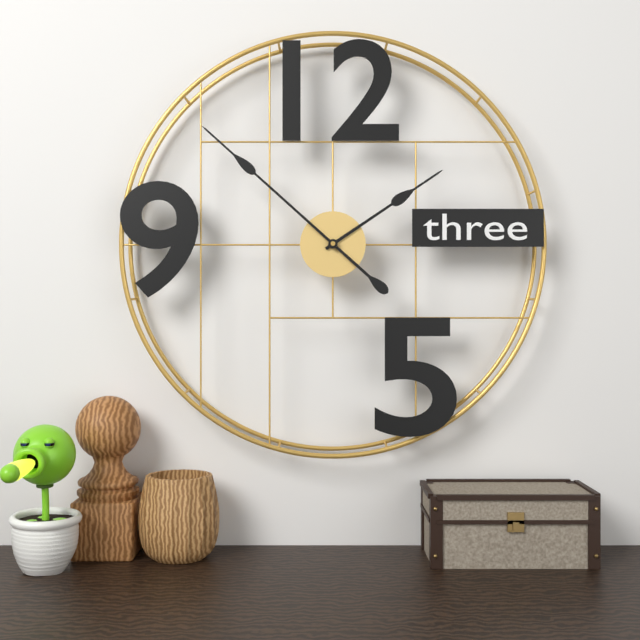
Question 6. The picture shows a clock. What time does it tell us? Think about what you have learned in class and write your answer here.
1:52
